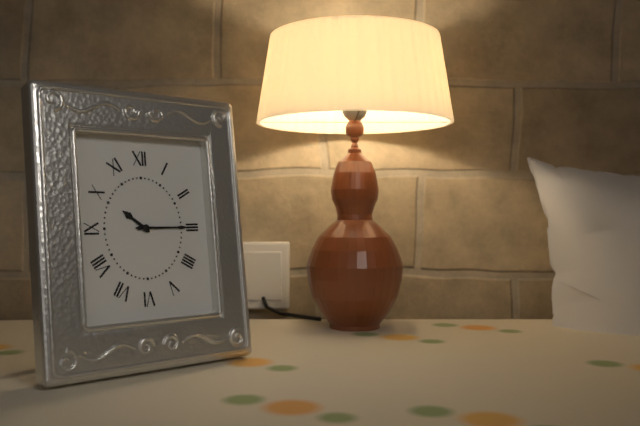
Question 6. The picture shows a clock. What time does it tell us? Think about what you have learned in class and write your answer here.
10:15
